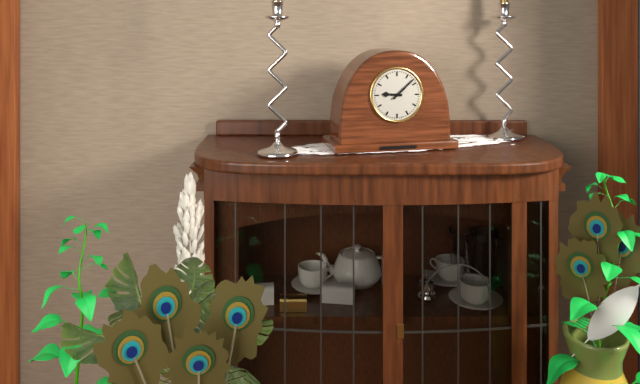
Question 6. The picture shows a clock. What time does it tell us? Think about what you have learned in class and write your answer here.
9:08
